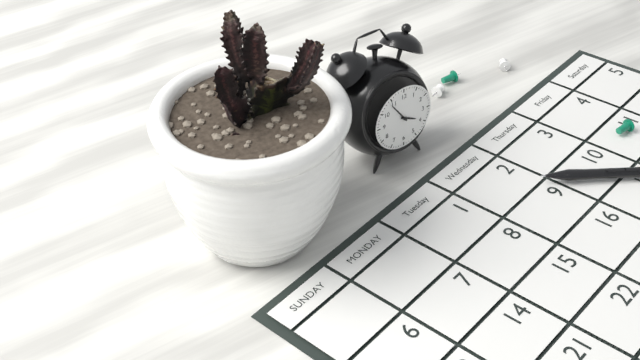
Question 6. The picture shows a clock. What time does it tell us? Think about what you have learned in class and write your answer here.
3:54
